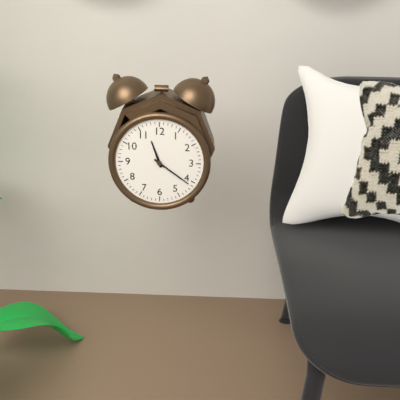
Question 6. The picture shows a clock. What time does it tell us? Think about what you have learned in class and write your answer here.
11:21
